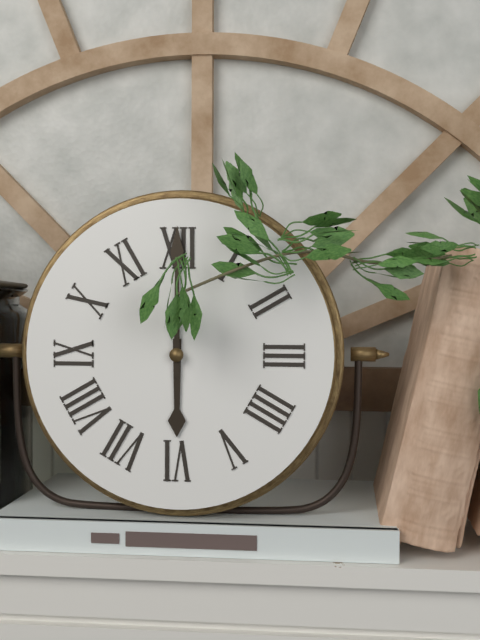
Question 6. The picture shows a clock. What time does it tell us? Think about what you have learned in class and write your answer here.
6:00
